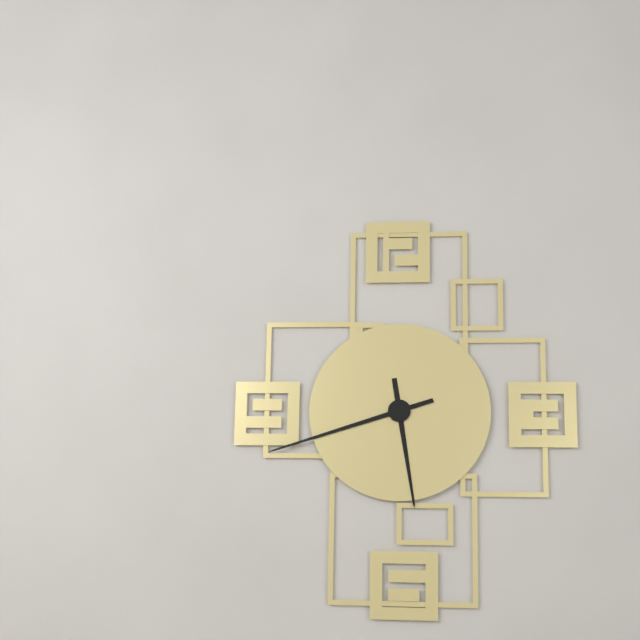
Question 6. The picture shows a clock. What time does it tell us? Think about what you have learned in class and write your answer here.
5:42
